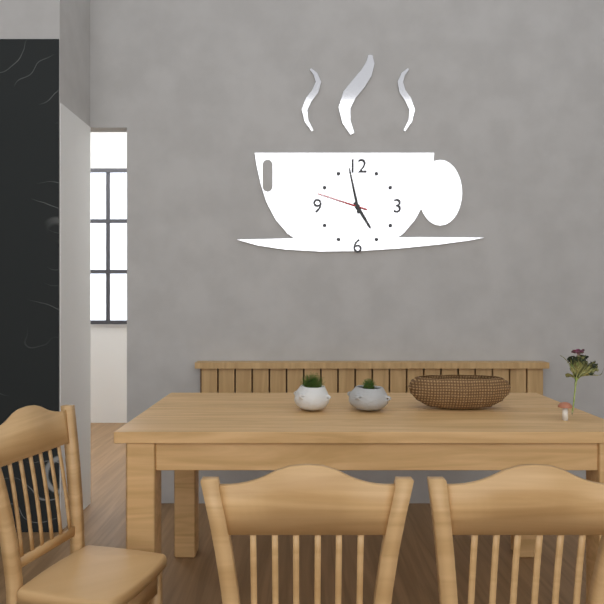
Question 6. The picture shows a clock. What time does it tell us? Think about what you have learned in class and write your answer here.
4:58:48
